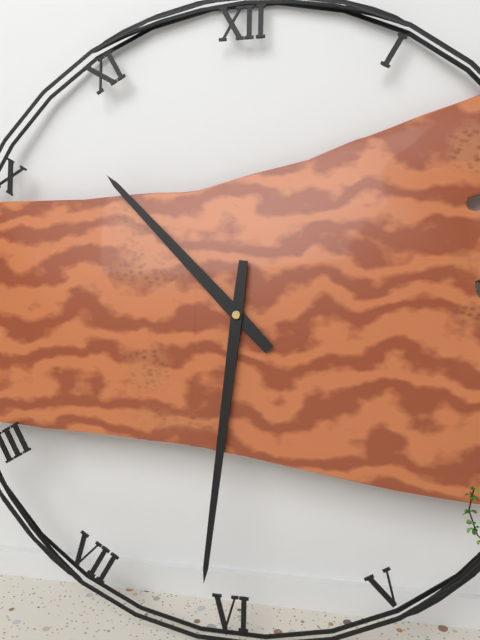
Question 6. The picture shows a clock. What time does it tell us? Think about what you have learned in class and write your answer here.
10:31
